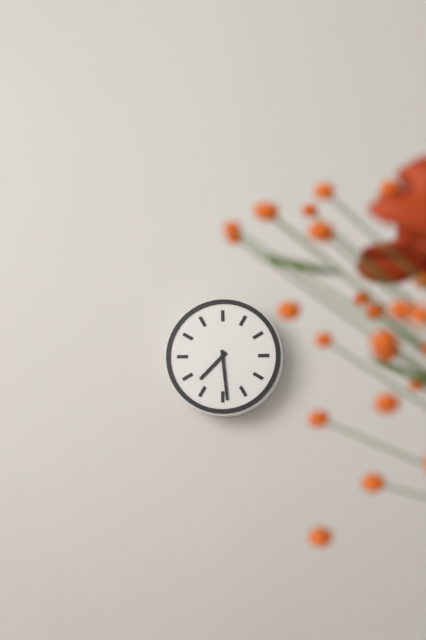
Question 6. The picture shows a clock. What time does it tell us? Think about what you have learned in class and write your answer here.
7:29
